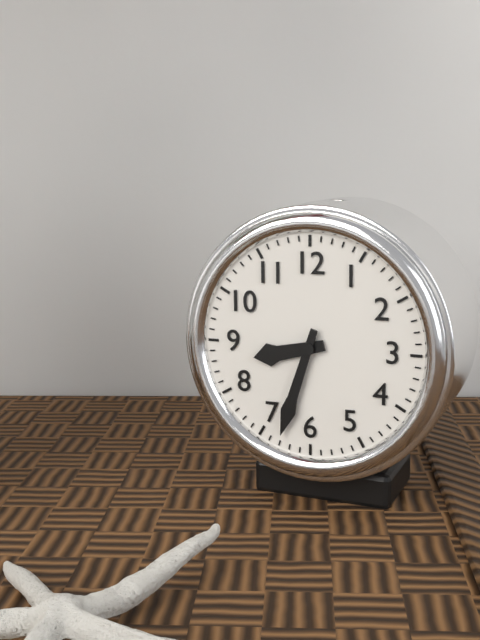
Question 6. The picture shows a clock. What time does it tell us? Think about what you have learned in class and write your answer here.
8:33
